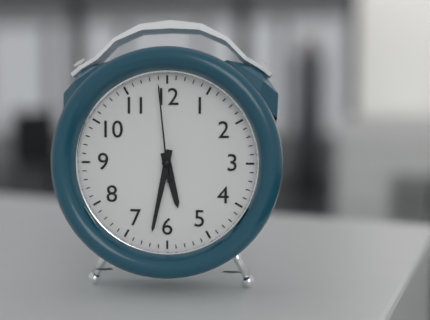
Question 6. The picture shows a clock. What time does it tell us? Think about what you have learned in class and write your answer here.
5:32:59
